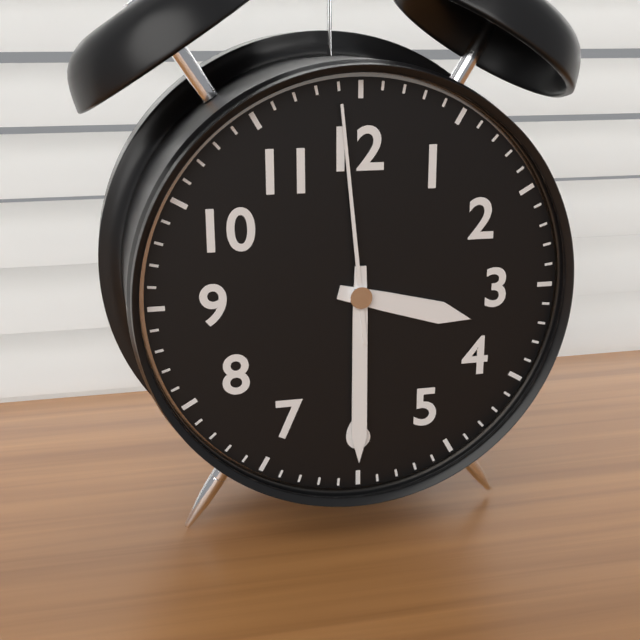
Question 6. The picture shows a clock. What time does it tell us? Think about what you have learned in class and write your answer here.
3:30:59
